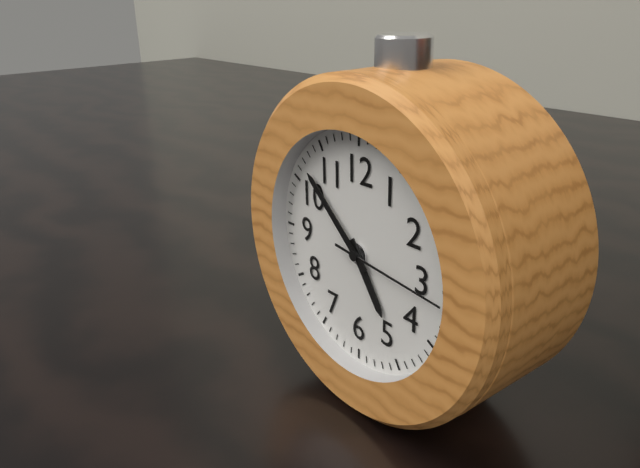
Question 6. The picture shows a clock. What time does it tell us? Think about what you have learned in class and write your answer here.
4:52:16
